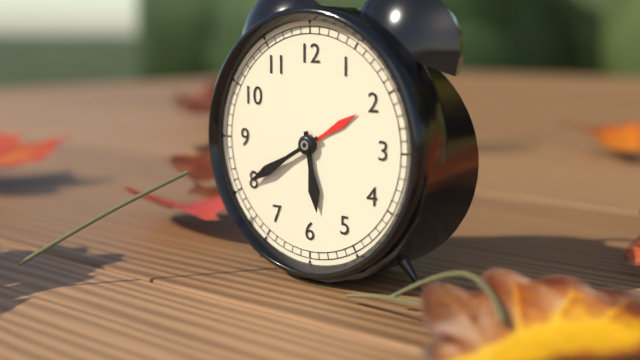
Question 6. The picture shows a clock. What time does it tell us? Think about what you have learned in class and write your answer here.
5:40
